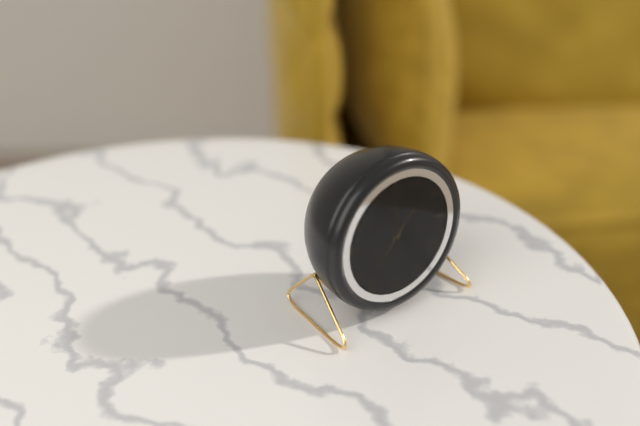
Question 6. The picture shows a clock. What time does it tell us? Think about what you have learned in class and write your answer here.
1:37:59
